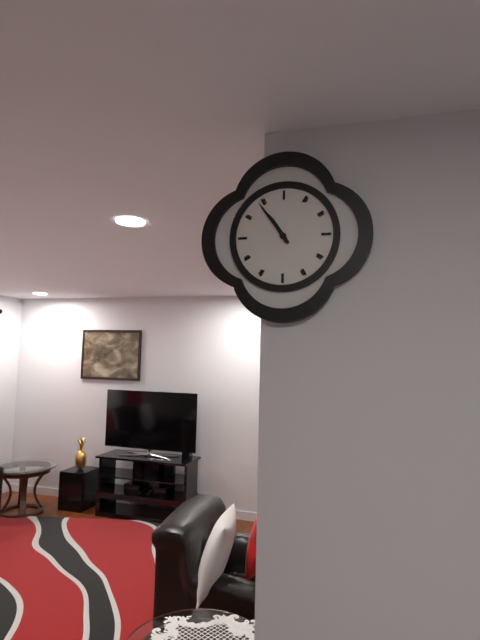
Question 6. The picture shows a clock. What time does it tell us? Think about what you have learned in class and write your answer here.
10:54
